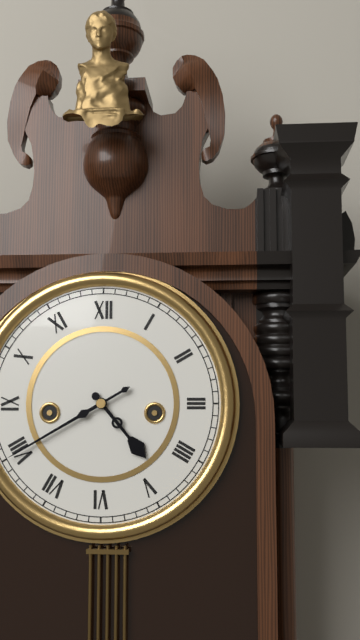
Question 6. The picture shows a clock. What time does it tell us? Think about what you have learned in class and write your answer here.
4:40
